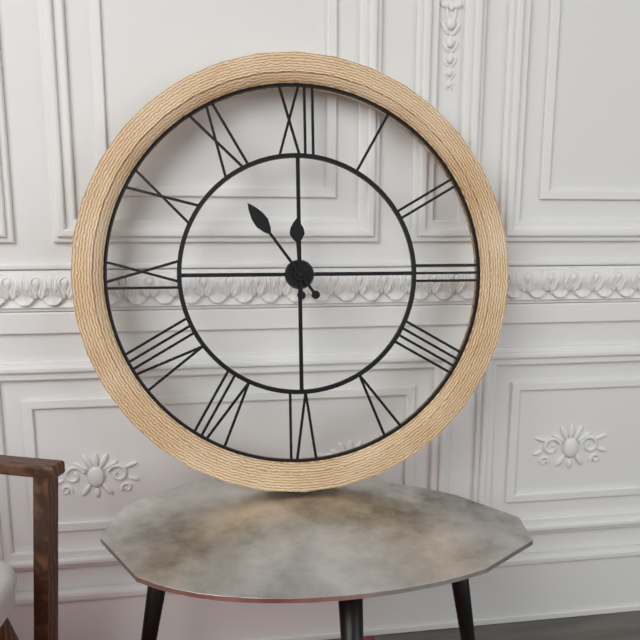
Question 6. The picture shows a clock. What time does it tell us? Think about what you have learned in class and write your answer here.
11:54
